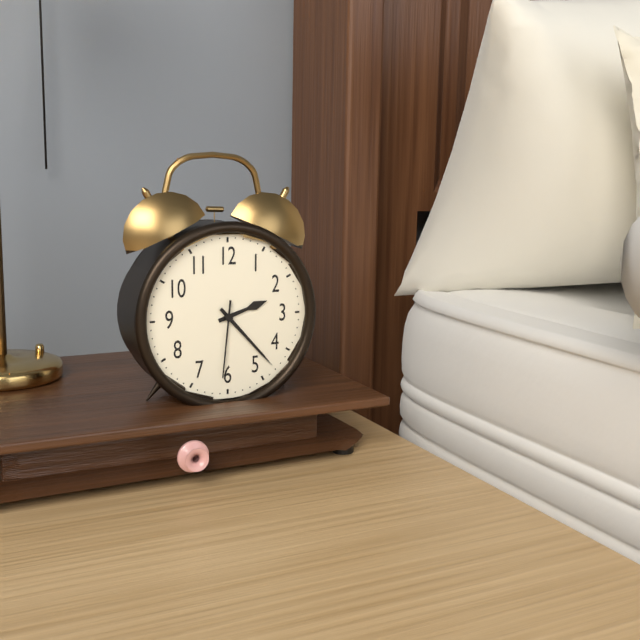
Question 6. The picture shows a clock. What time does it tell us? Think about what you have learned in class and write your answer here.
2:23:31
